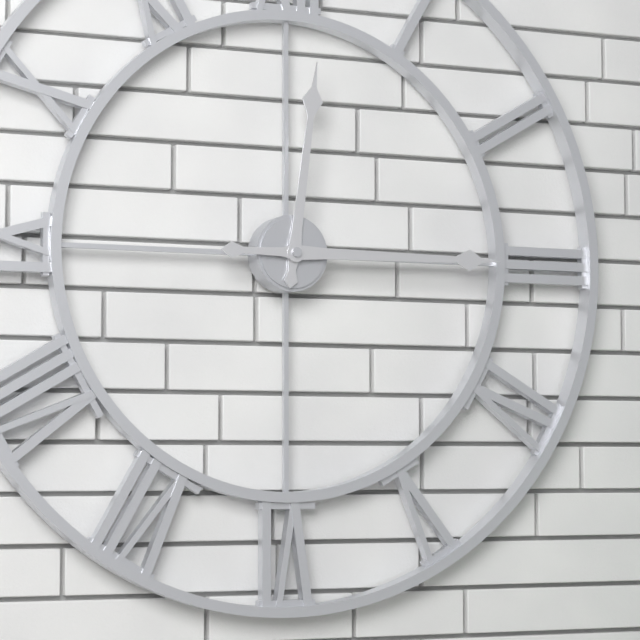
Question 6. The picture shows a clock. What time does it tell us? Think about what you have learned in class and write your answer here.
12:15
